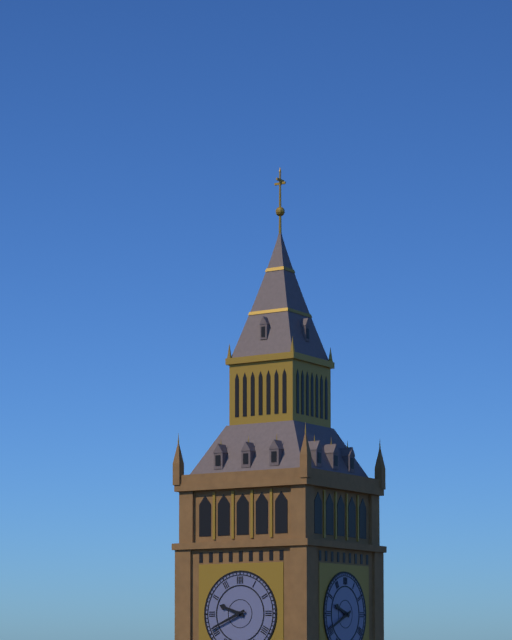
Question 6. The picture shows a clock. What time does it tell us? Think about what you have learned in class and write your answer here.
9:41
